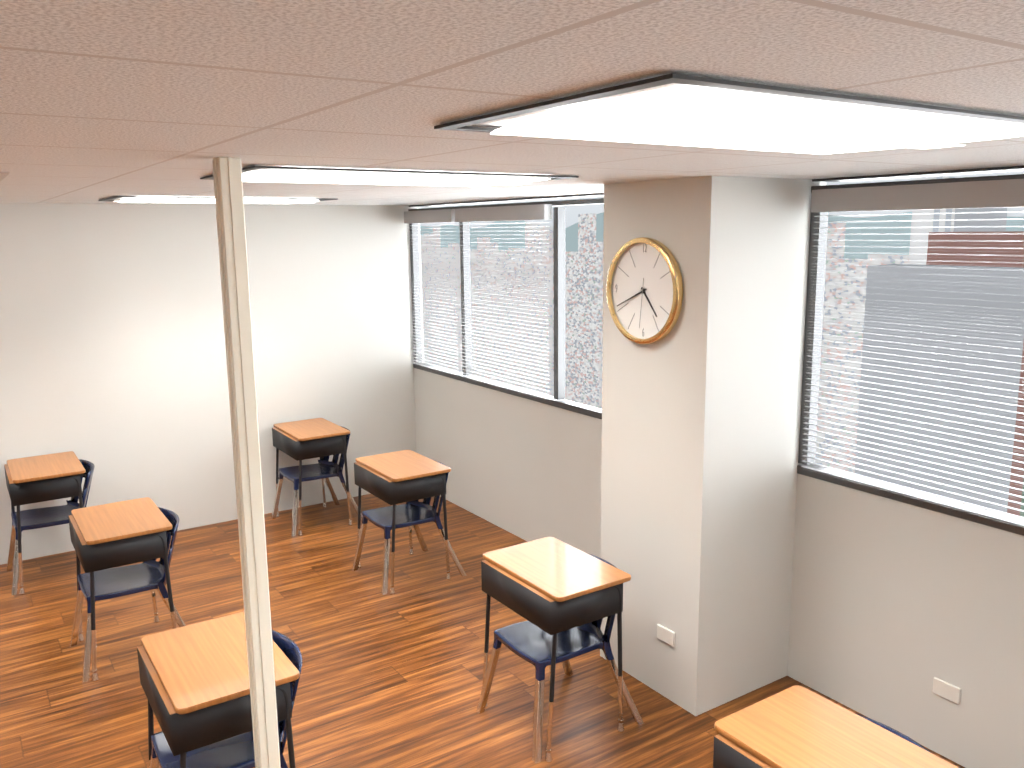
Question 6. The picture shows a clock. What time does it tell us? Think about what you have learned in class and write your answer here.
4:41
